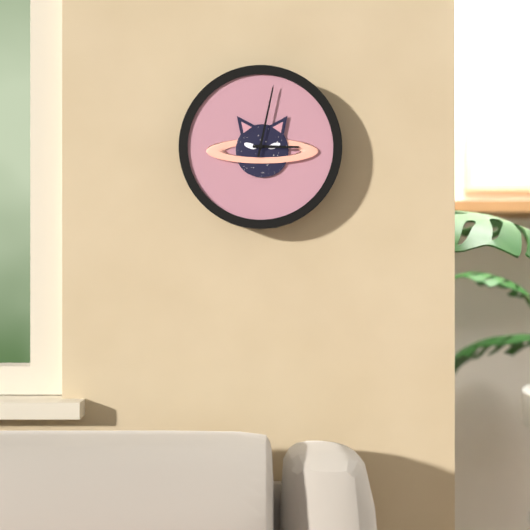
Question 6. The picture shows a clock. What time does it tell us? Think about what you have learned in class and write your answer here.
3:02
